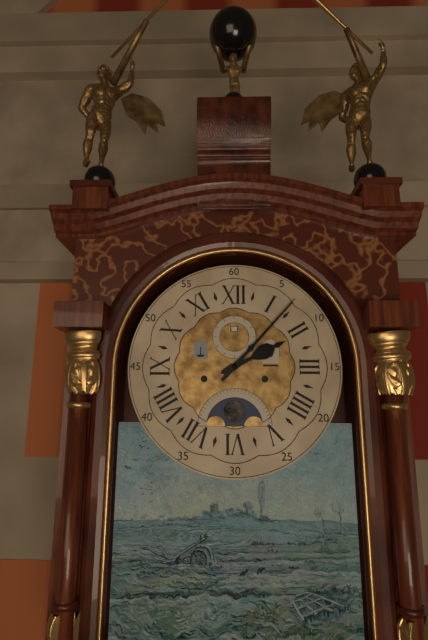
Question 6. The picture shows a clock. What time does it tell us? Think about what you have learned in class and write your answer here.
2:07
